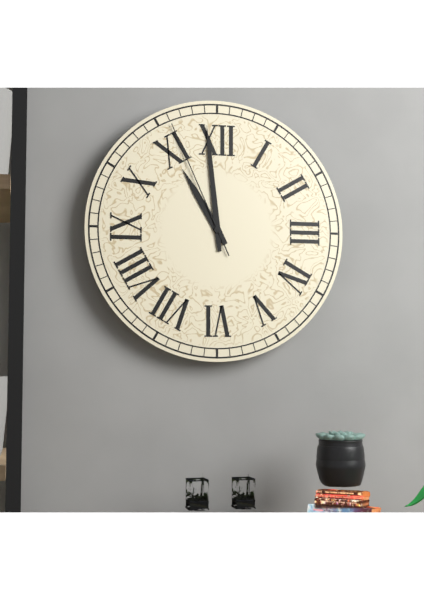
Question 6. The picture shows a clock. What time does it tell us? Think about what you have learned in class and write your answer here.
10:59:56
